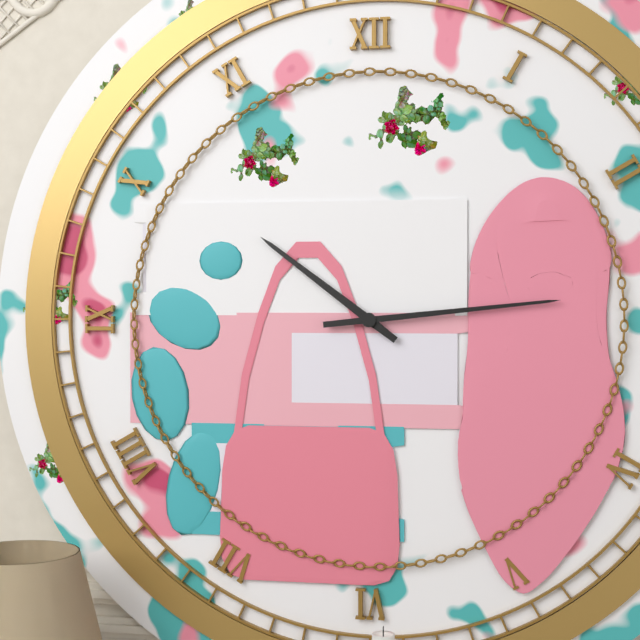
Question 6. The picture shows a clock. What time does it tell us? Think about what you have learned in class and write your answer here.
10:14
